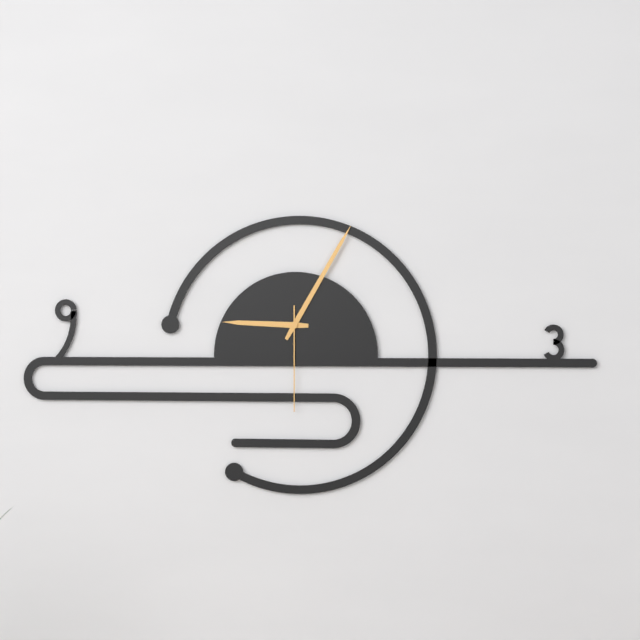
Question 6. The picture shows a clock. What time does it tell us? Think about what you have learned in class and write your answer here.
9:05:30
